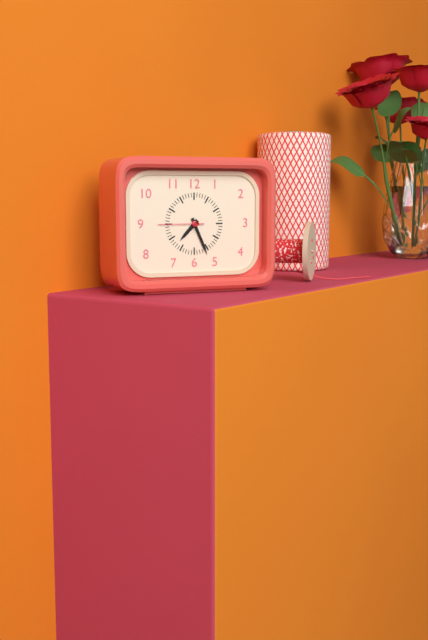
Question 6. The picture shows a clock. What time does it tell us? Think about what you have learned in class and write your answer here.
7:26
